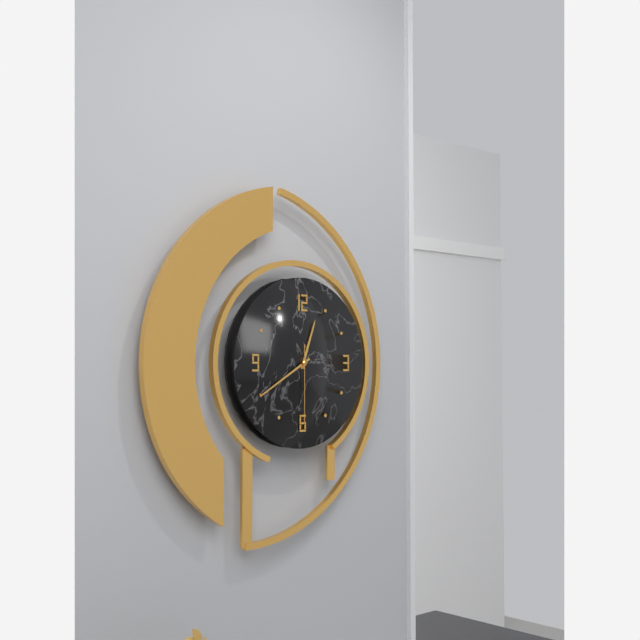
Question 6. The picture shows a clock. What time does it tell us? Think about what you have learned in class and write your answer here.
12:40:30
